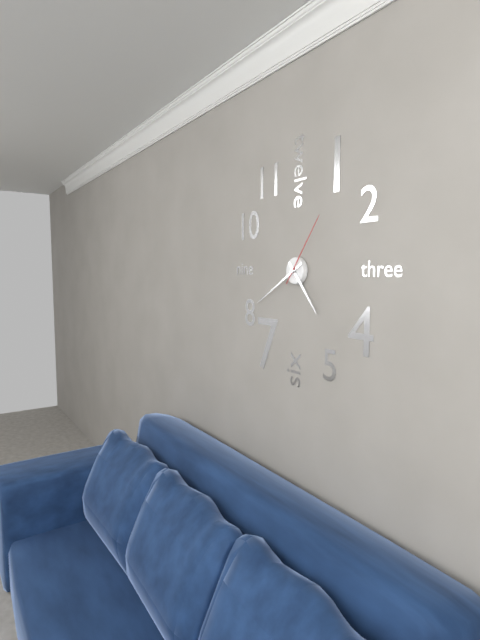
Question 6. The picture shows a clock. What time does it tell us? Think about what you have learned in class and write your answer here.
4:40:06
